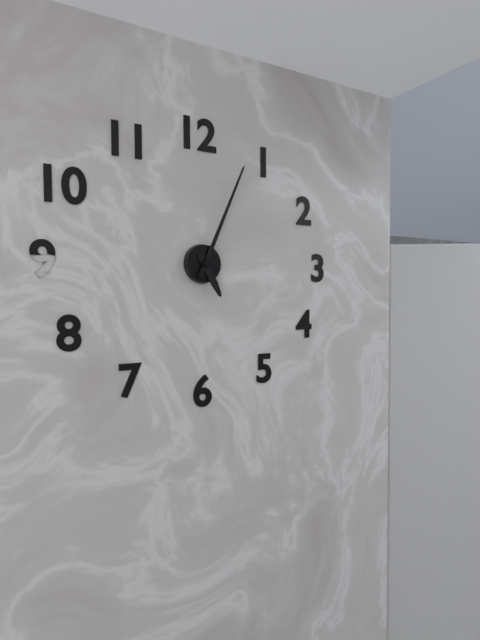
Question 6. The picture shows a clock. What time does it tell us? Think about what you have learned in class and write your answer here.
5:04
